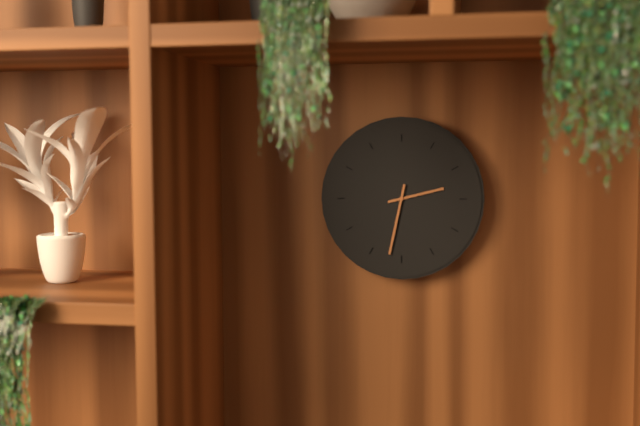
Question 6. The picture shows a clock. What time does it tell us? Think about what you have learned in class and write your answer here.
2:32
